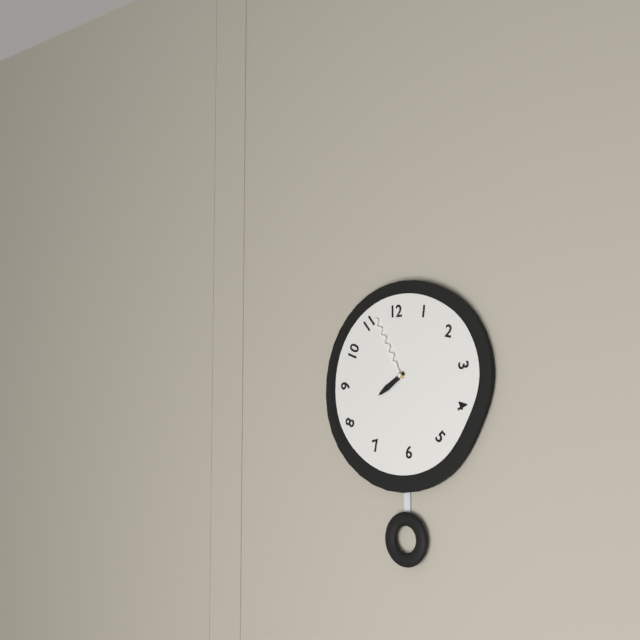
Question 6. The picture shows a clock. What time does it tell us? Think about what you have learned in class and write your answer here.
7:55
